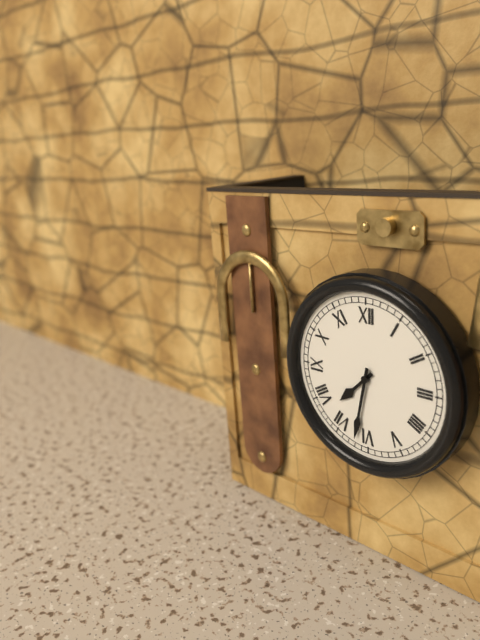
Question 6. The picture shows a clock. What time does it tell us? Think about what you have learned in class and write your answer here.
7:32
